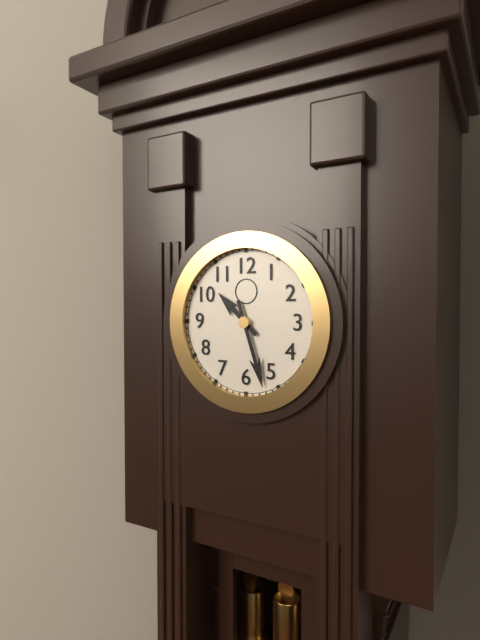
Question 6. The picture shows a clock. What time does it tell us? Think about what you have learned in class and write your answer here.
10:27
